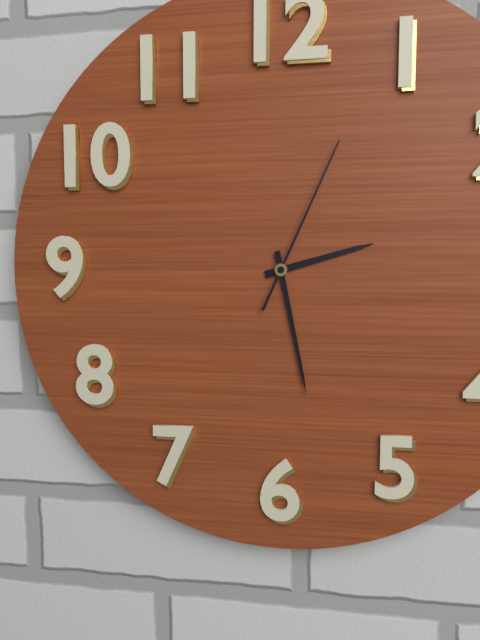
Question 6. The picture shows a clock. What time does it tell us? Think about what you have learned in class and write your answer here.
2:28:04
